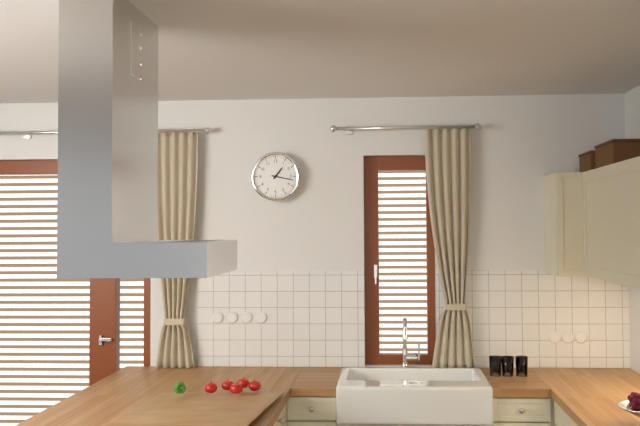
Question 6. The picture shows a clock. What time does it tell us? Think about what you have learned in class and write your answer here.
1:17
